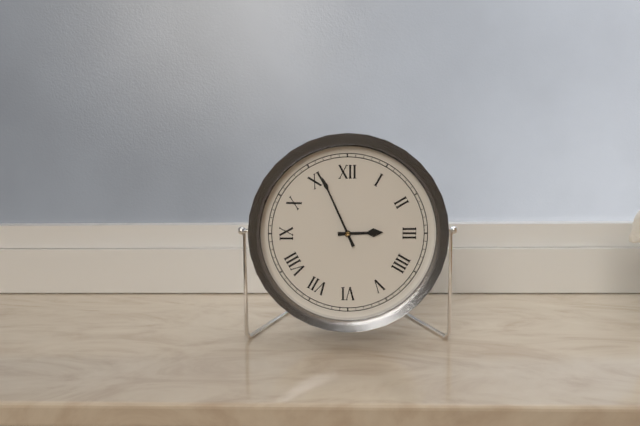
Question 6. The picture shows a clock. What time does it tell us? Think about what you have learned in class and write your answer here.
2:56
